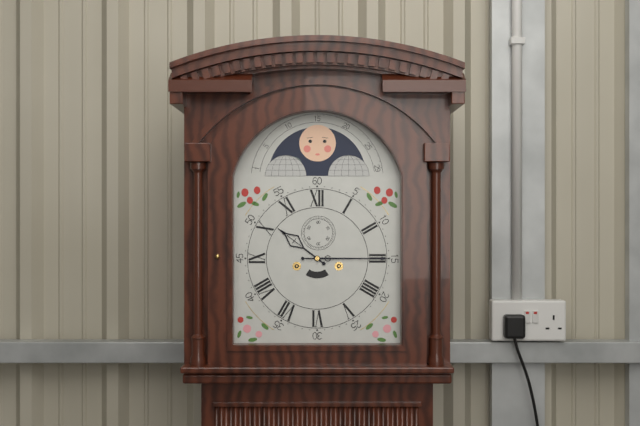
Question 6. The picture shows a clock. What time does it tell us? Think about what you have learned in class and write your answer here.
10:15
